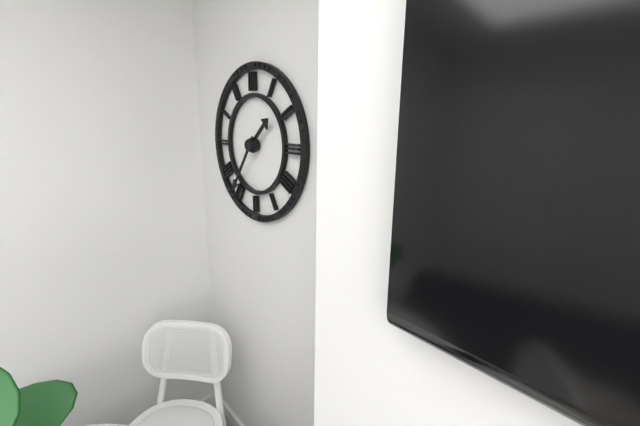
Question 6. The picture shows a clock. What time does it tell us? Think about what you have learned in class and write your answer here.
1:36
